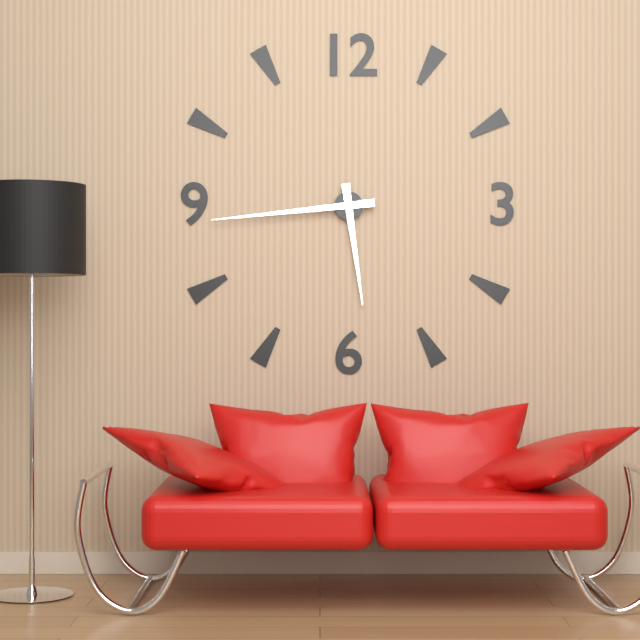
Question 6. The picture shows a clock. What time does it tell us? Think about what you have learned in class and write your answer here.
5:44
